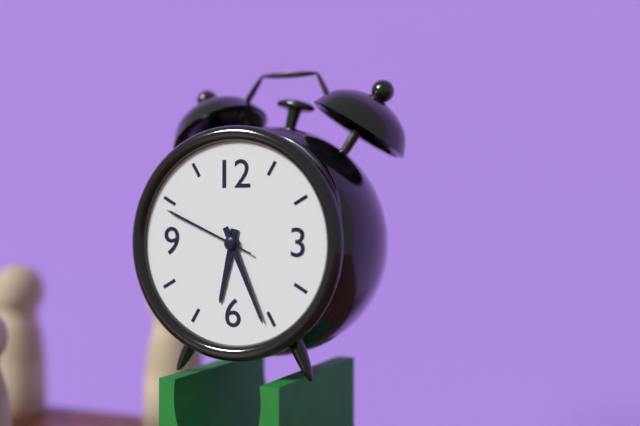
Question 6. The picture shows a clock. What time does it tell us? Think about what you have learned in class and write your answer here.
6:26:49
